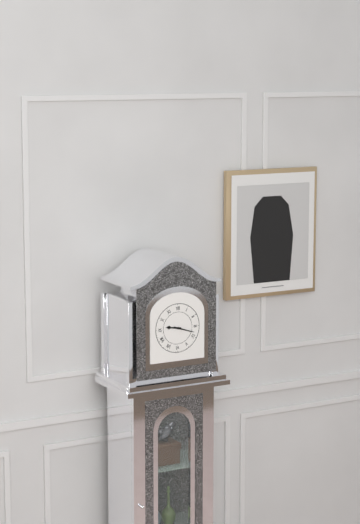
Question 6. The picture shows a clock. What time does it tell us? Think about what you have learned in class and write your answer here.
9:18
